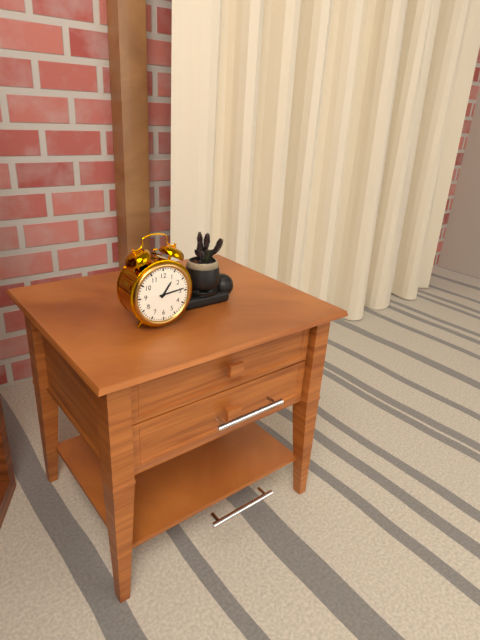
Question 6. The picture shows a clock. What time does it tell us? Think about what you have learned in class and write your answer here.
1:14
